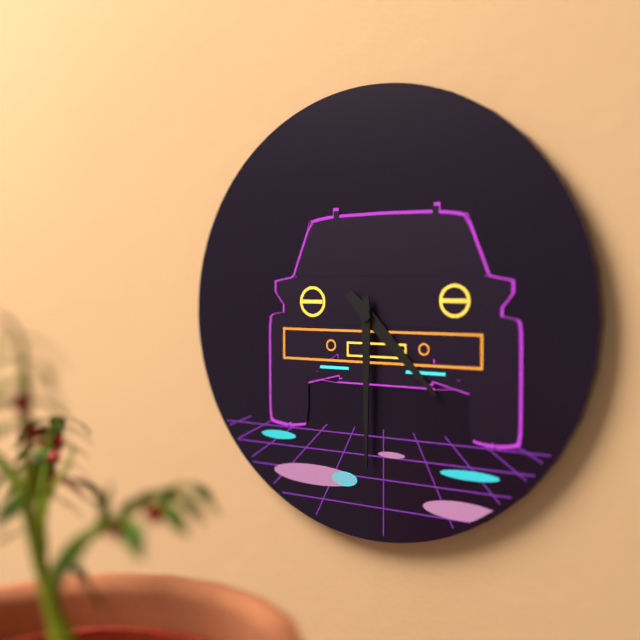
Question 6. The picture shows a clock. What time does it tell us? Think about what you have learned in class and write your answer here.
4:30
